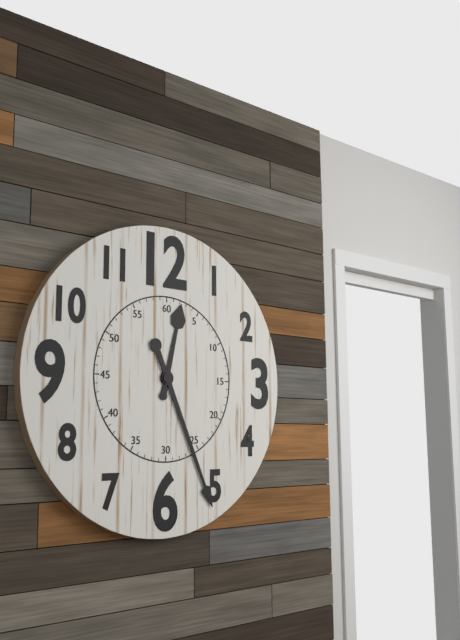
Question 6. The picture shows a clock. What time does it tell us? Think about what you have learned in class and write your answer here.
12:26
